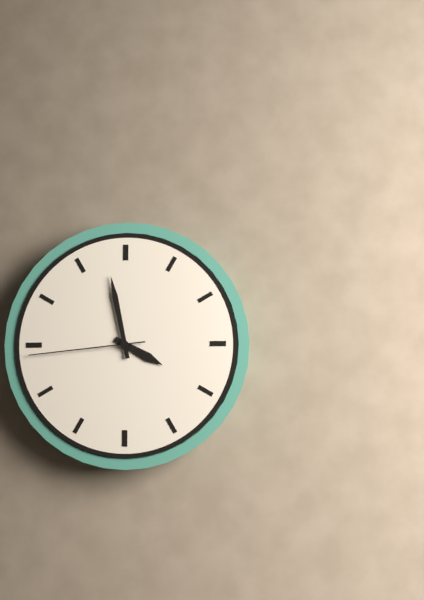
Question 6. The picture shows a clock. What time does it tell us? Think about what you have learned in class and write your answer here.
3:58:44
